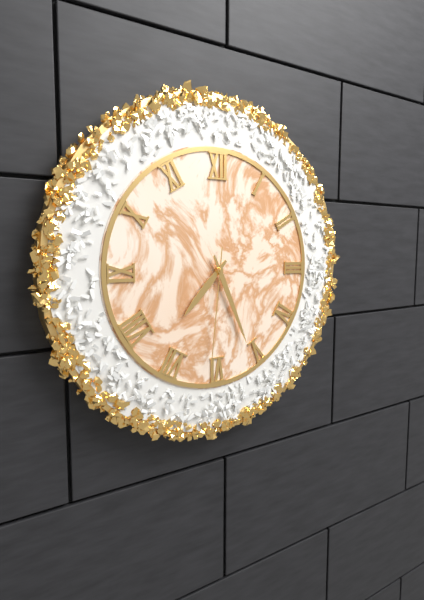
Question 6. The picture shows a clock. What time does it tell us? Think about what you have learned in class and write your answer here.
7:26:31
